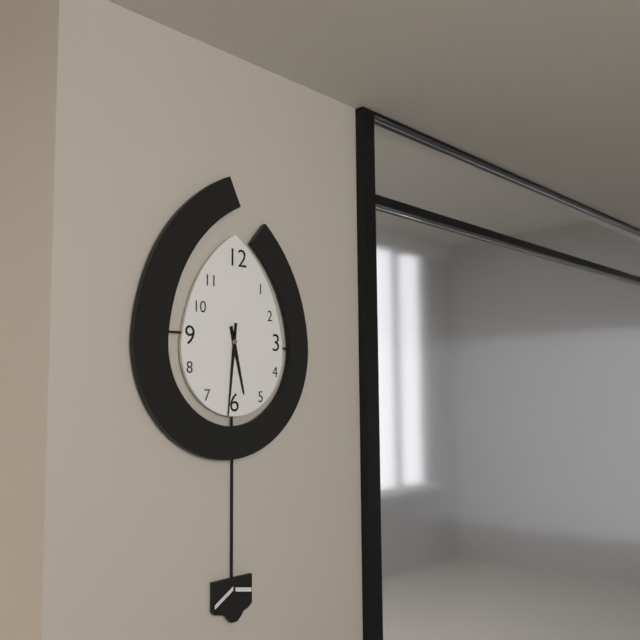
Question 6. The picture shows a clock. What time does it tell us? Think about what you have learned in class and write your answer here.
5:31
